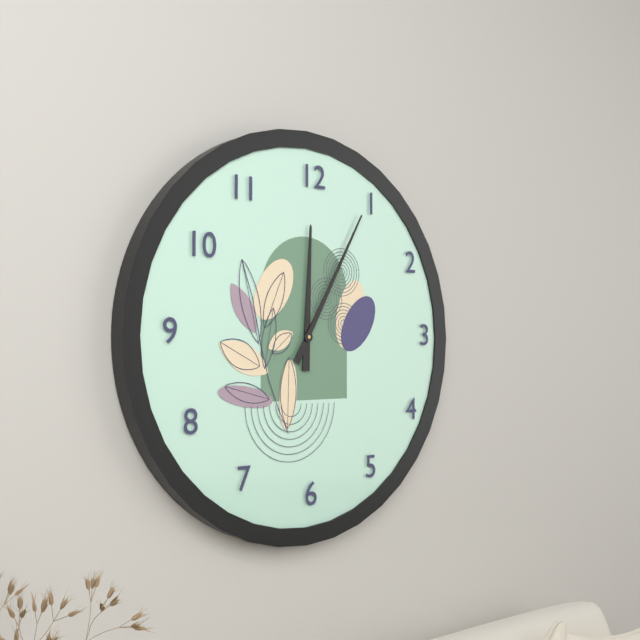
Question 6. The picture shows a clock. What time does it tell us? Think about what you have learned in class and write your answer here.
12:05
